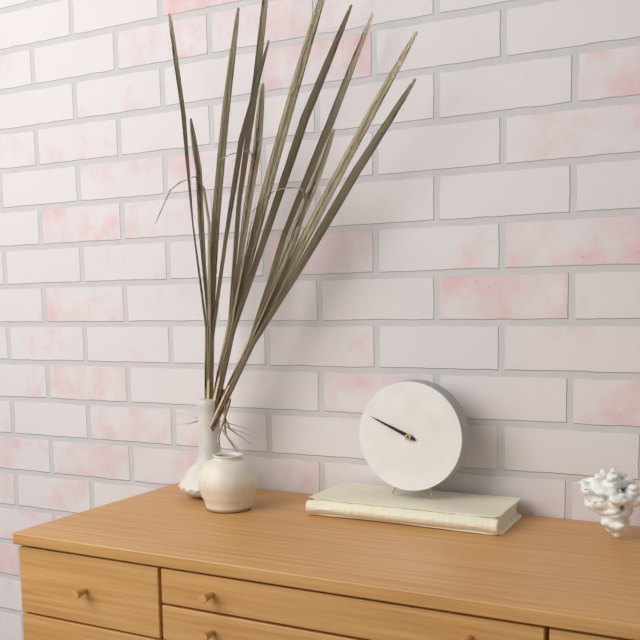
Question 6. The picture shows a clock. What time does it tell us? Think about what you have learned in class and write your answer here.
9:49
